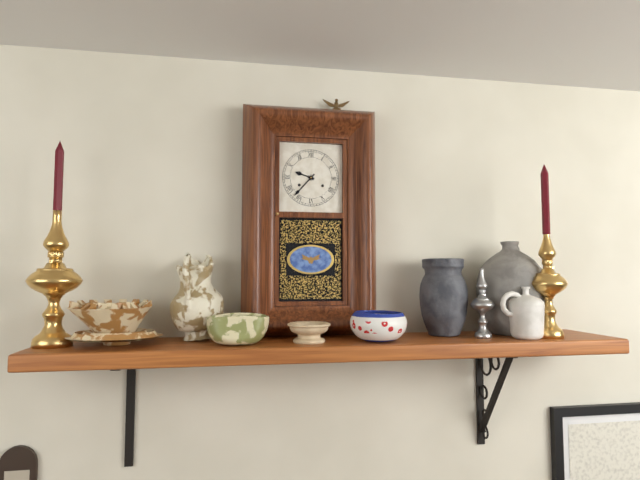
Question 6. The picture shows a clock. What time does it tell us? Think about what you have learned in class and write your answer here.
9:37
